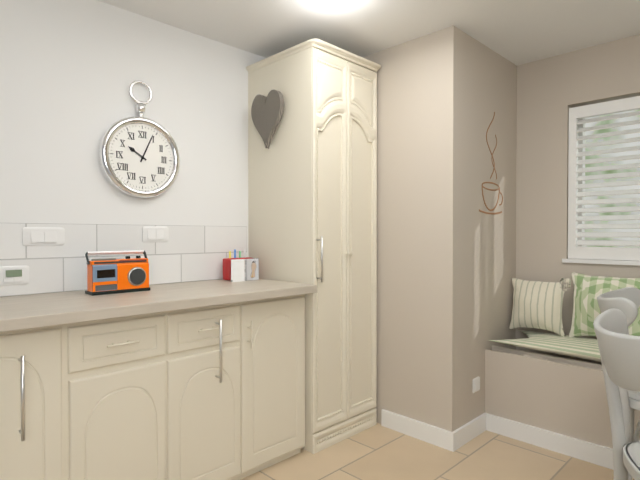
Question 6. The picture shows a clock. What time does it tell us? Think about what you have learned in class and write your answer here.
10:04
